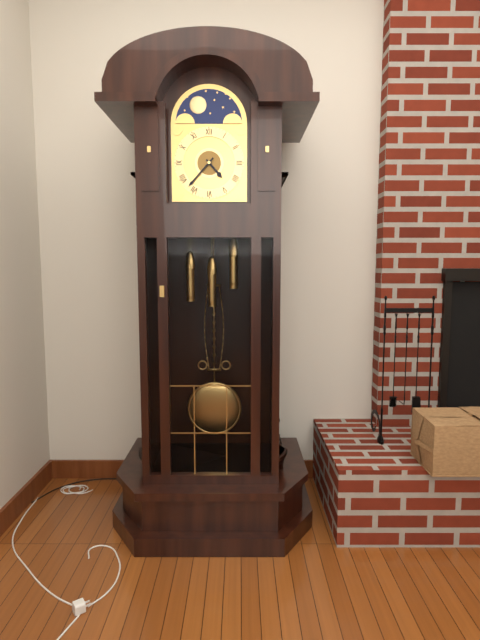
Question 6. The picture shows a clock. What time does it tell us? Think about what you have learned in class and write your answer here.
4:37
